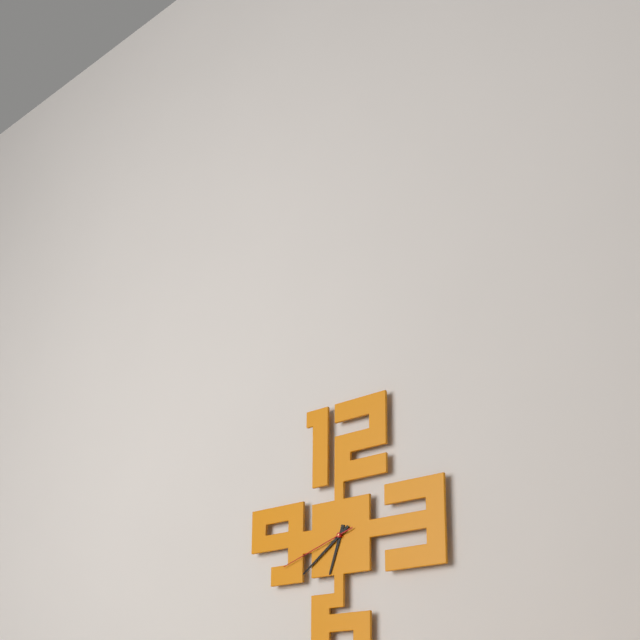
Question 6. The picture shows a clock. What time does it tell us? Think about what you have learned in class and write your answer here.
6:39:42
